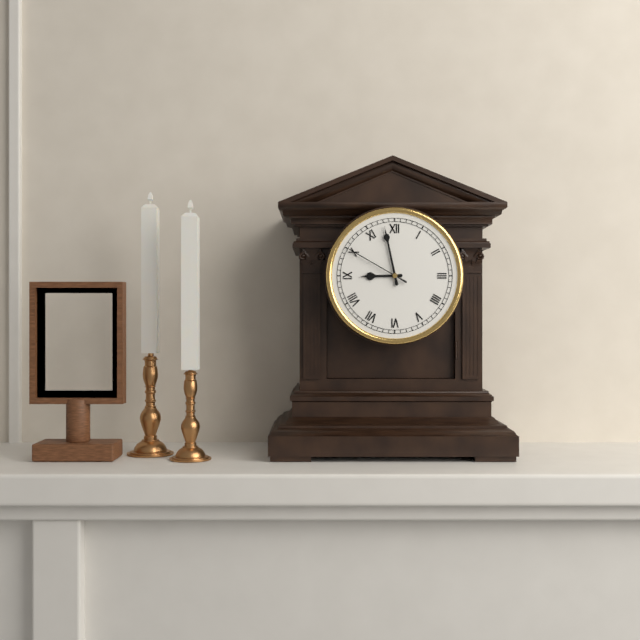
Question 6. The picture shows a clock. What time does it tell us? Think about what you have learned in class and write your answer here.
8:58:50
